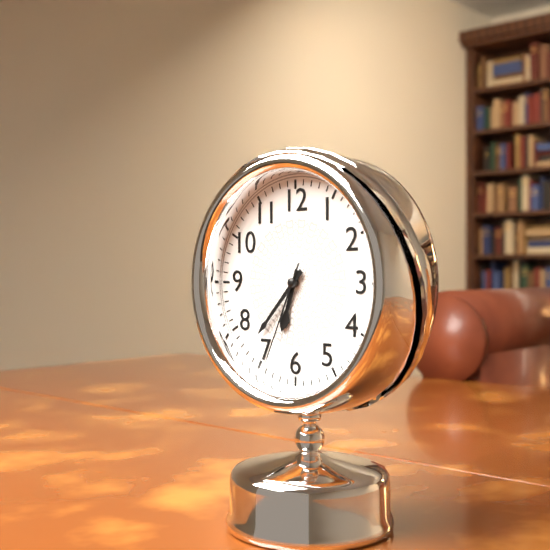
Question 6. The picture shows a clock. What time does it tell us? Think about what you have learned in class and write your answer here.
6:37:34
